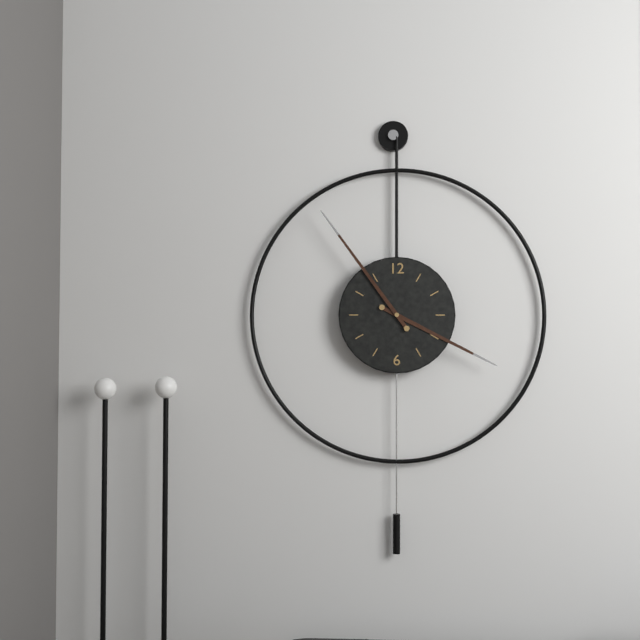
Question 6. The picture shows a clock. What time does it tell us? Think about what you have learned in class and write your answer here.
3:54
